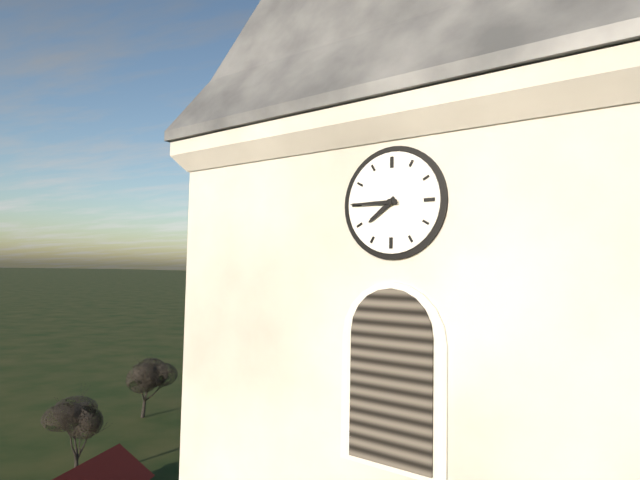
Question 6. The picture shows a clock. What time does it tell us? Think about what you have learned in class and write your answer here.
7:45
